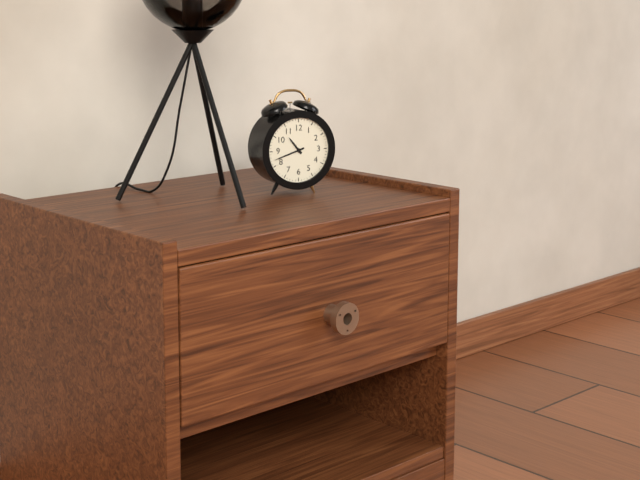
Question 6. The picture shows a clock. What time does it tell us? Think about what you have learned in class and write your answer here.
10:42
